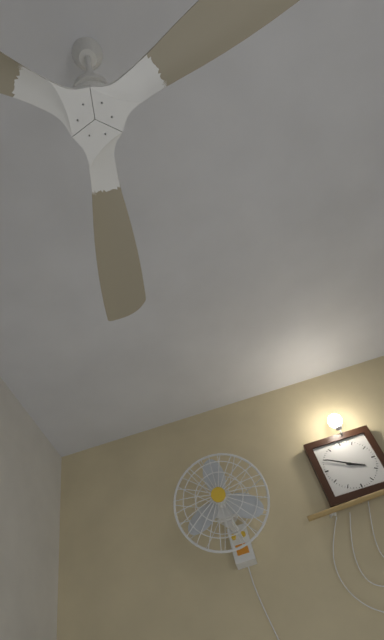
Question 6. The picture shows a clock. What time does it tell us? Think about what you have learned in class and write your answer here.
3:50
